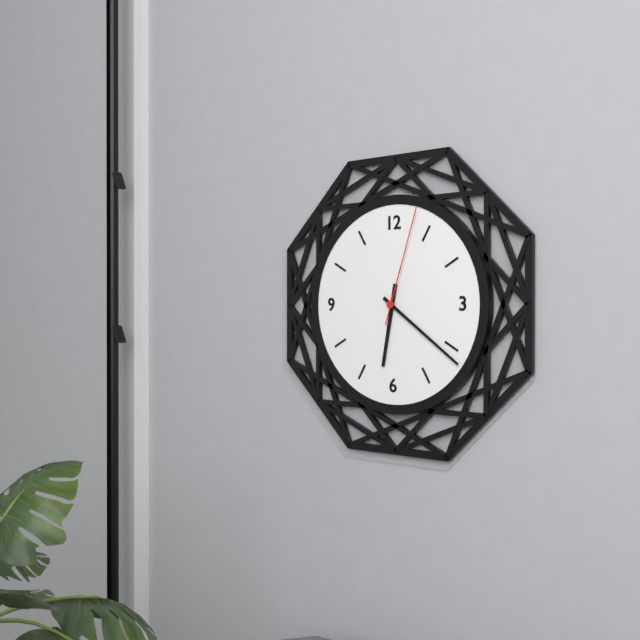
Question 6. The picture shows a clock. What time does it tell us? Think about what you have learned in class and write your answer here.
6:21:03
